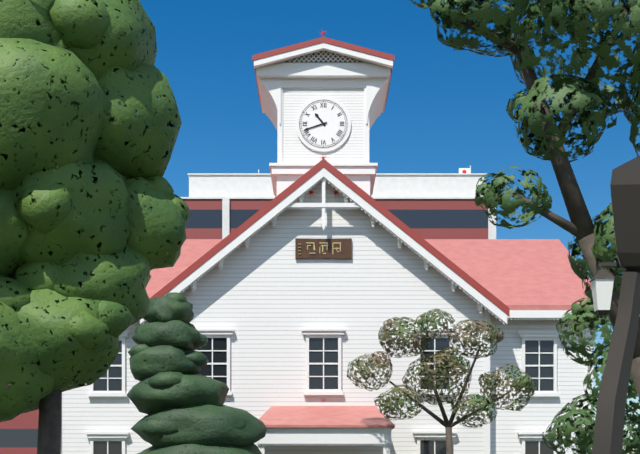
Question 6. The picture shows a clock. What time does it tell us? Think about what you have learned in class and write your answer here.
10:42
